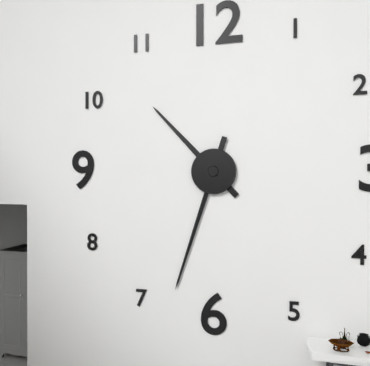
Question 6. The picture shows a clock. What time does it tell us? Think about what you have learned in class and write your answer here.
10:33
